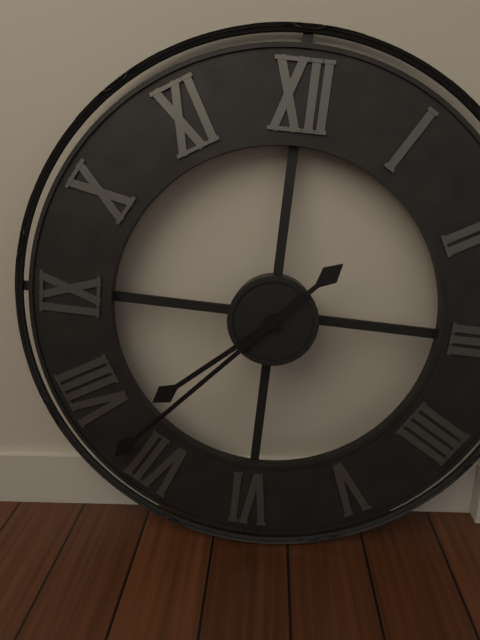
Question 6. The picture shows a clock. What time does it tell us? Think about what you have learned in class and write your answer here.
7:37
